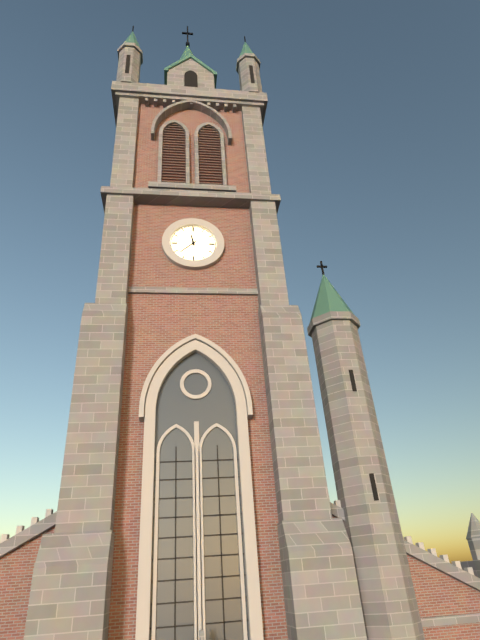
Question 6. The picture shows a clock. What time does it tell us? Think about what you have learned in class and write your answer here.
11:38
